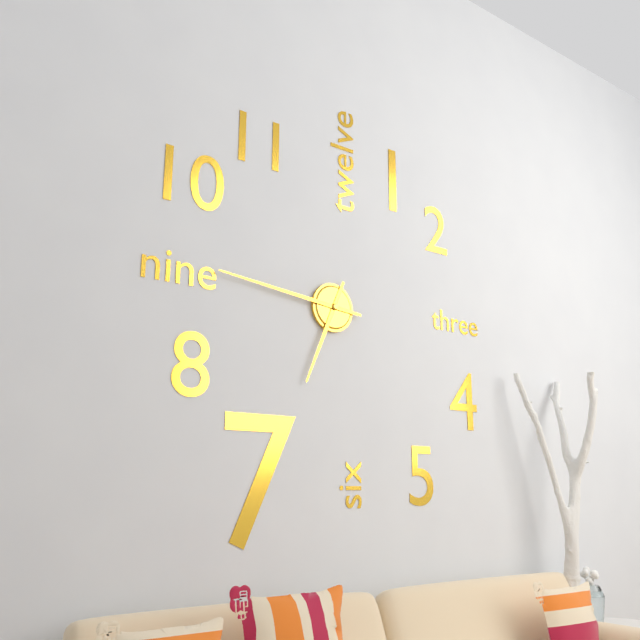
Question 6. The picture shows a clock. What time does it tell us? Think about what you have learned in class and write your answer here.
6:46
